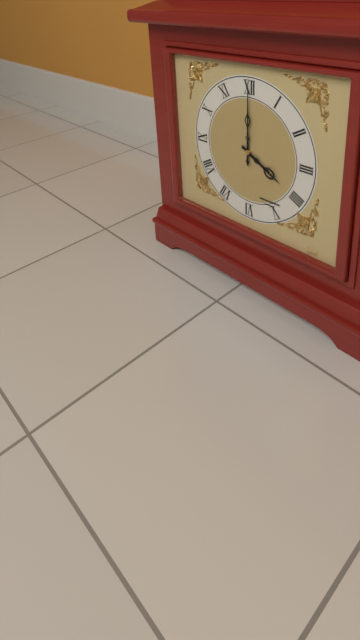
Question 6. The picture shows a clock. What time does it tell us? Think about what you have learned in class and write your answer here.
4:00
